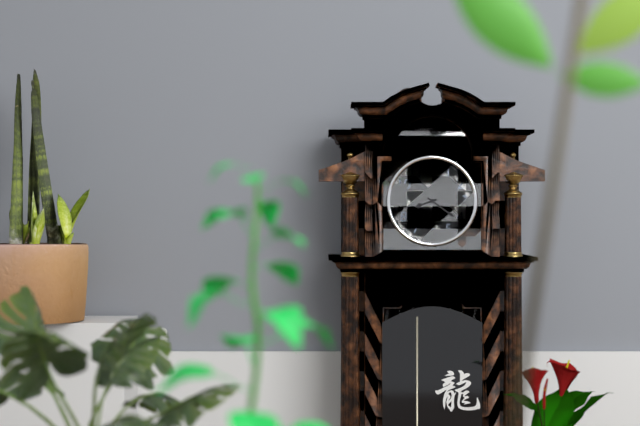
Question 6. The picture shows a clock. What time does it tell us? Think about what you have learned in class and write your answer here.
8:21
